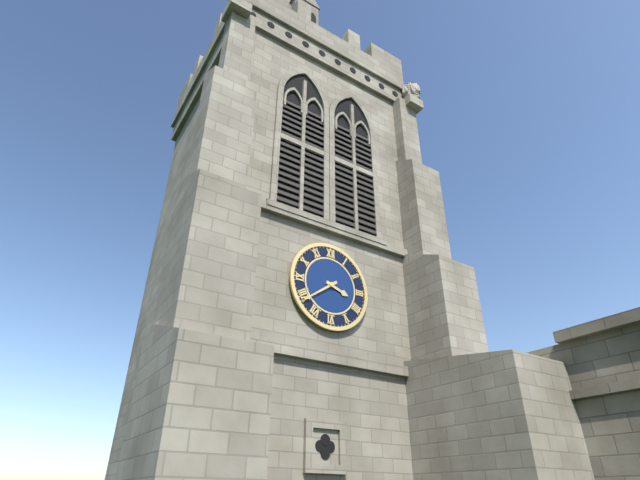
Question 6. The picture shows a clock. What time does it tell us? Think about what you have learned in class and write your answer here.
3:39
